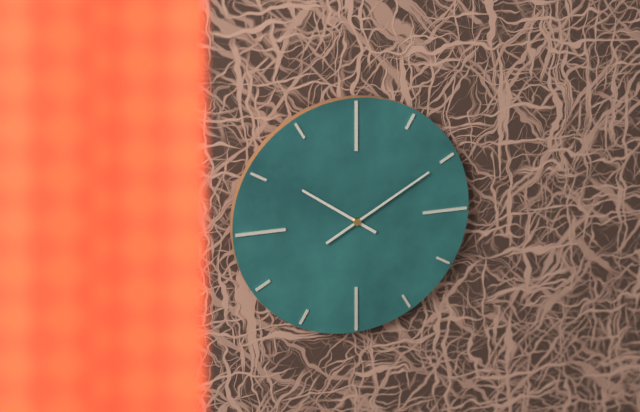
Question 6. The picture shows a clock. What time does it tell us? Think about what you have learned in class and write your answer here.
10:10
